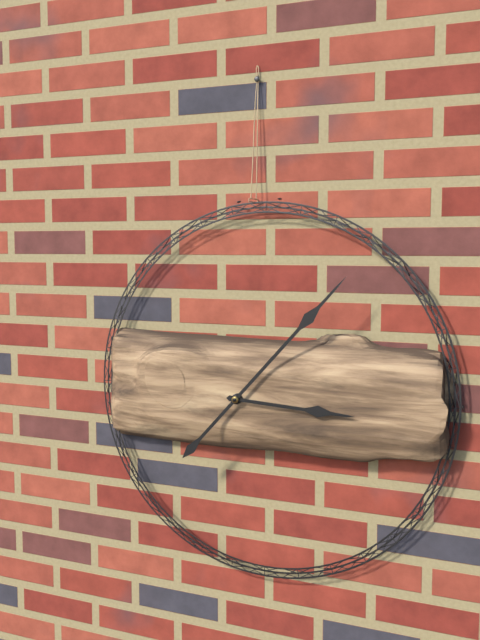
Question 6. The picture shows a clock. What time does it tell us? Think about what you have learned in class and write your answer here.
3:07
